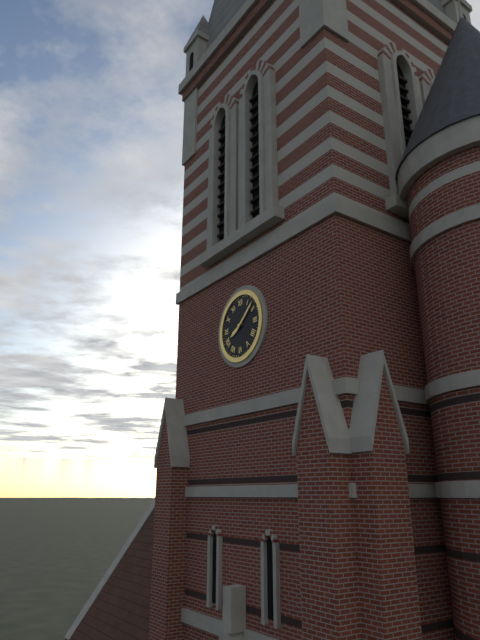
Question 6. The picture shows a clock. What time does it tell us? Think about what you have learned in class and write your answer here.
8:08
